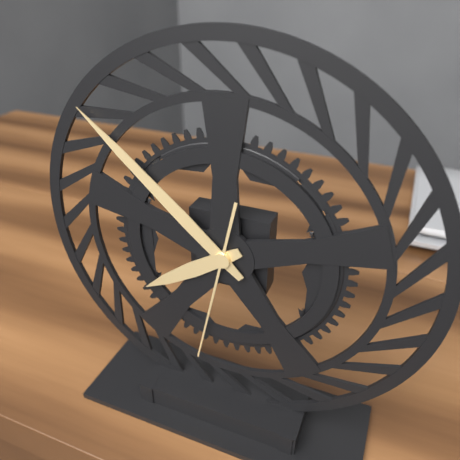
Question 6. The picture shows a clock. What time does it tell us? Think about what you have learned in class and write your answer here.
7:52:32
